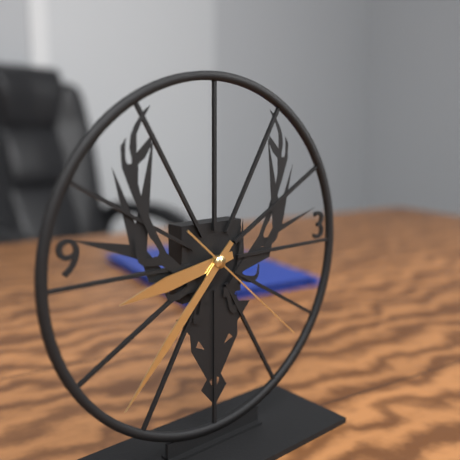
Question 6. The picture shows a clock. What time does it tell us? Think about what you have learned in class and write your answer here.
8:37:22
